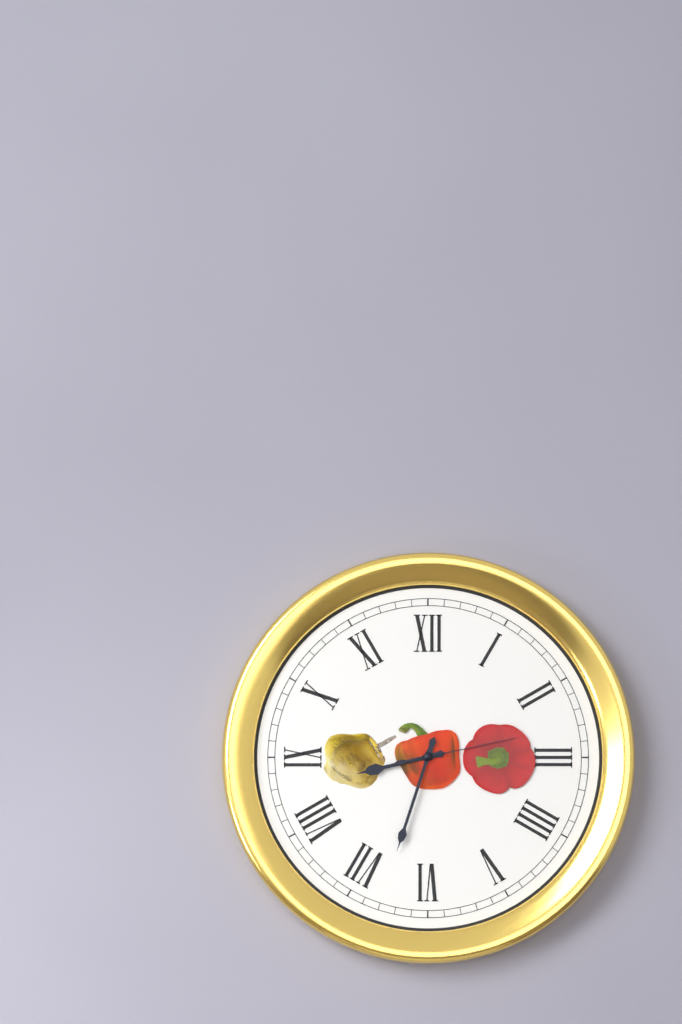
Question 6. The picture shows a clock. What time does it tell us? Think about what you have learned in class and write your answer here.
8:33:13
